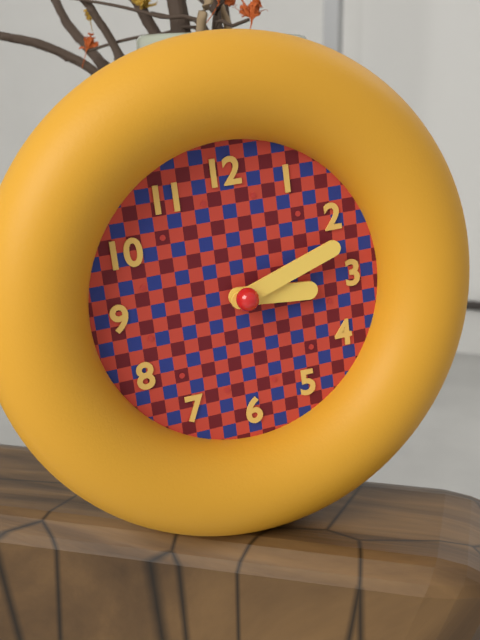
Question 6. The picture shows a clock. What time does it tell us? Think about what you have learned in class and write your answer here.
3:12
